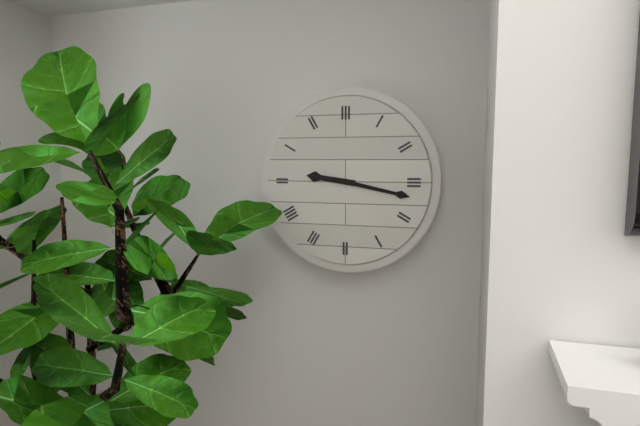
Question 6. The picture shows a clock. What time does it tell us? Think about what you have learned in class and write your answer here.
9:17
